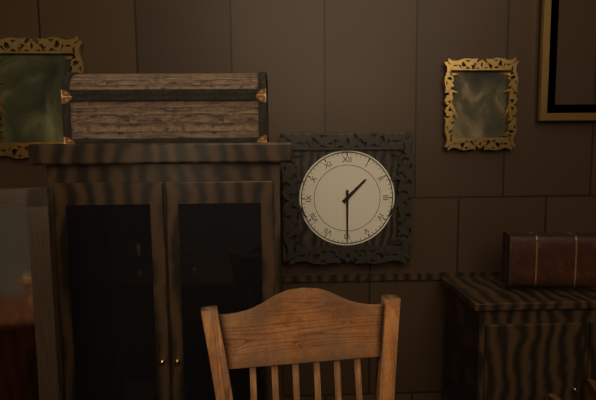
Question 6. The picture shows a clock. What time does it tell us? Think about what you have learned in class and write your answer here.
1:30
